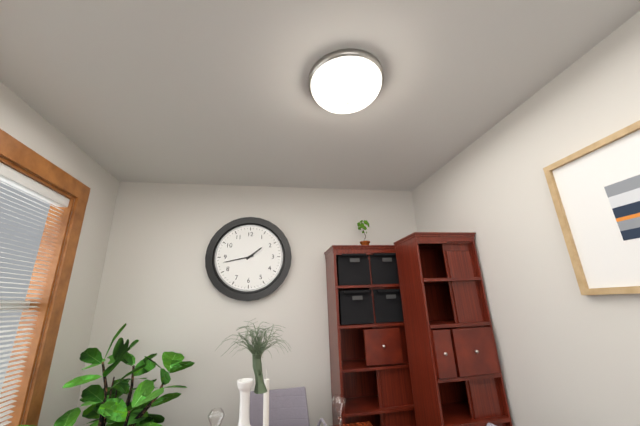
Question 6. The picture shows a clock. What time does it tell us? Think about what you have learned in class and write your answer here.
1:43
